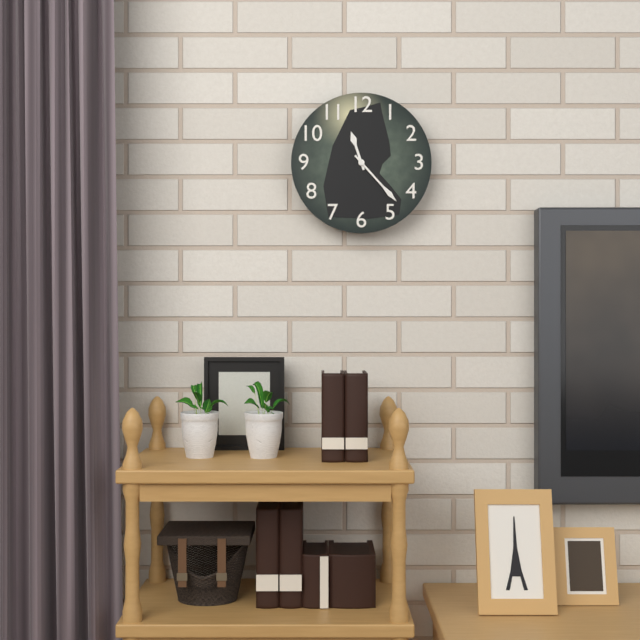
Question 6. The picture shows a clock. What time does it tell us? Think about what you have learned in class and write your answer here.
11:23
